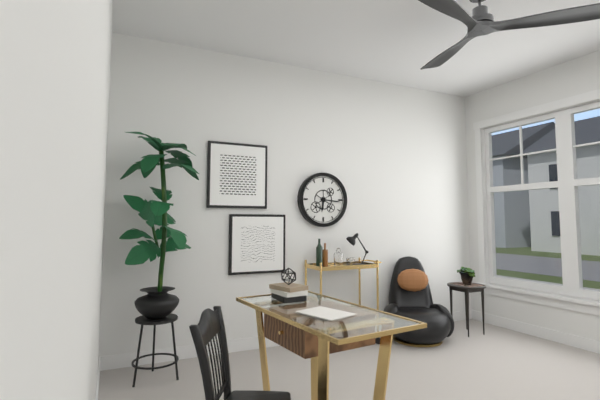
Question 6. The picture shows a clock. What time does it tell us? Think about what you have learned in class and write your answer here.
6:16
